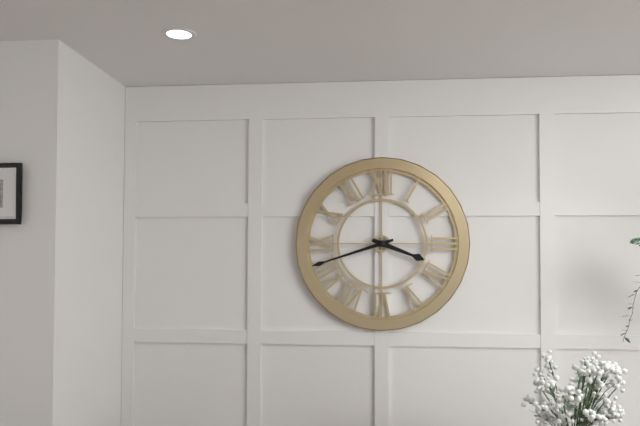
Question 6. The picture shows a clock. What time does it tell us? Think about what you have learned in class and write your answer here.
3:42
